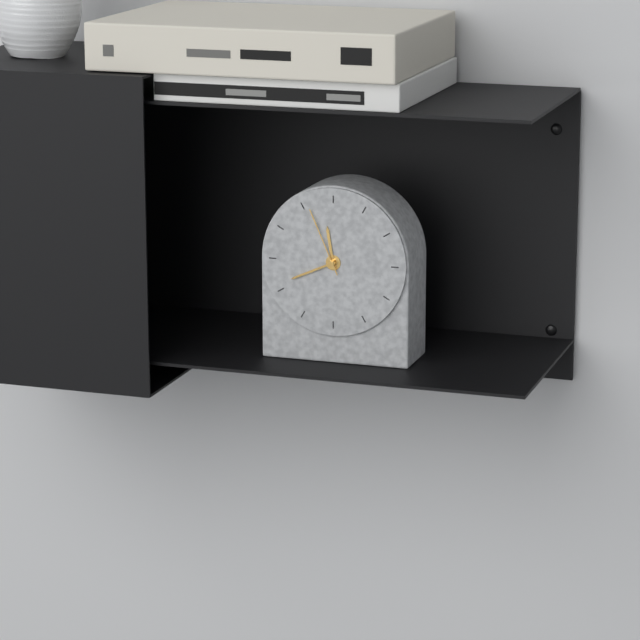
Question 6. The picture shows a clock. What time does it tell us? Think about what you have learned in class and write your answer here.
11:41:56
